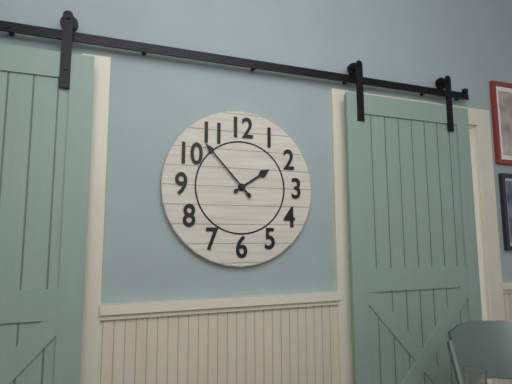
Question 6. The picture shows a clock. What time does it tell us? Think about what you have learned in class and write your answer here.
1:53
